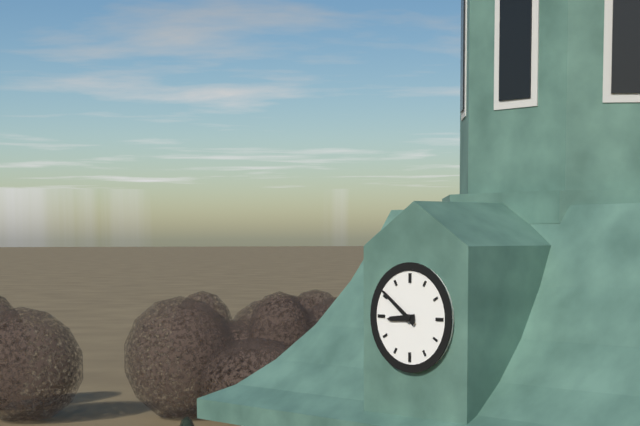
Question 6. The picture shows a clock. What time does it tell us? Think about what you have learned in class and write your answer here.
8:51
